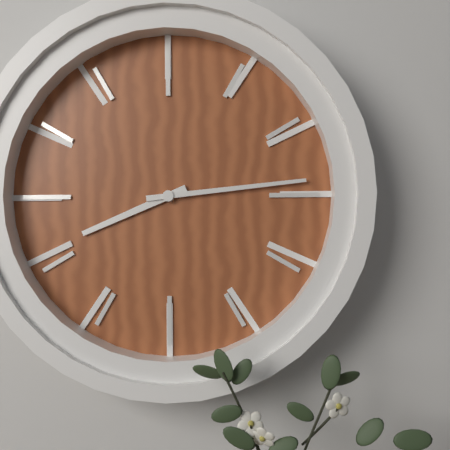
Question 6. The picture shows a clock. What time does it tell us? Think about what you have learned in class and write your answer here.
8:14
